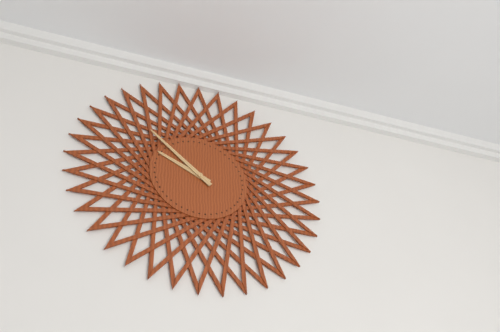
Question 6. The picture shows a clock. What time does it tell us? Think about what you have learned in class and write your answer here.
9:52
